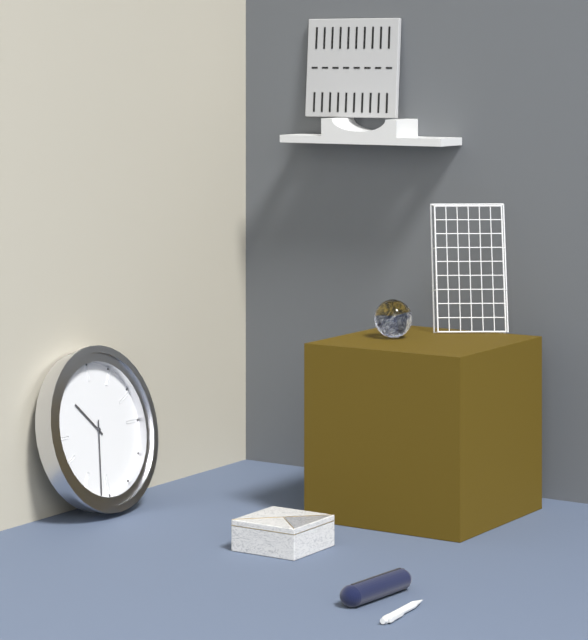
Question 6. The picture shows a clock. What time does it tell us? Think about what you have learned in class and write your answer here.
10:32
